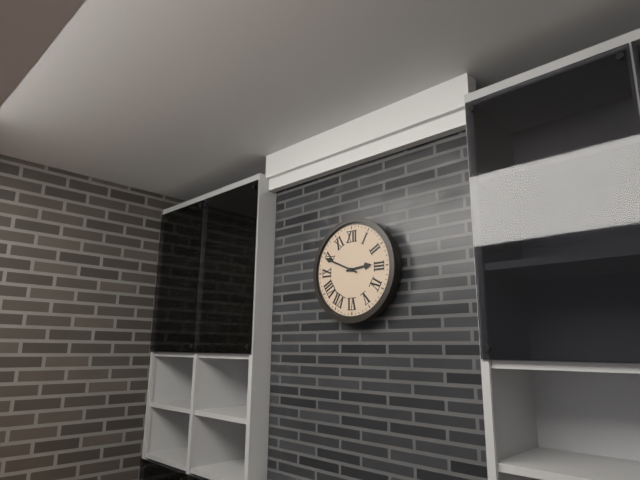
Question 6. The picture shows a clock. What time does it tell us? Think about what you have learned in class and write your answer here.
2:49
